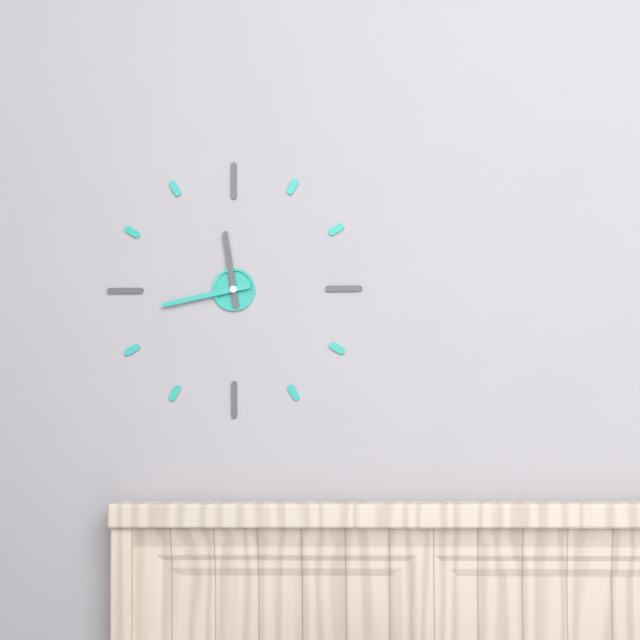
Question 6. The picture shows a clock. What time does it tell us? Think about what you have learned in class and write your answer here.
11:43
